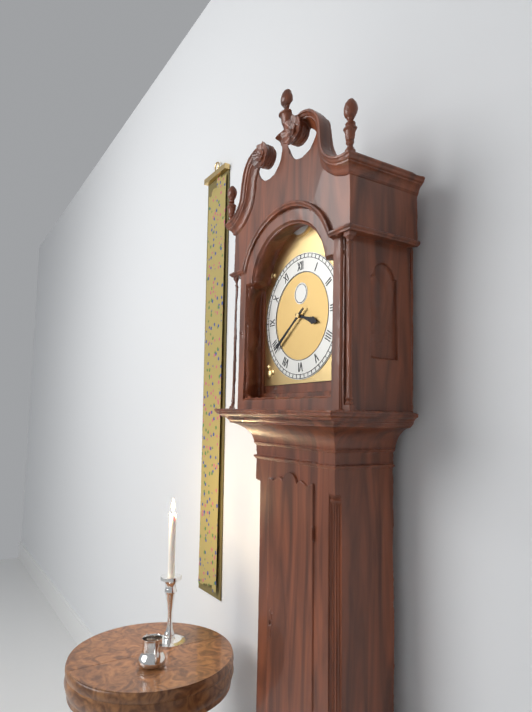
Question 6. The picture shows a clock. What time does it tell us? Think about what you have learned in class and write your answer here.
3:39
